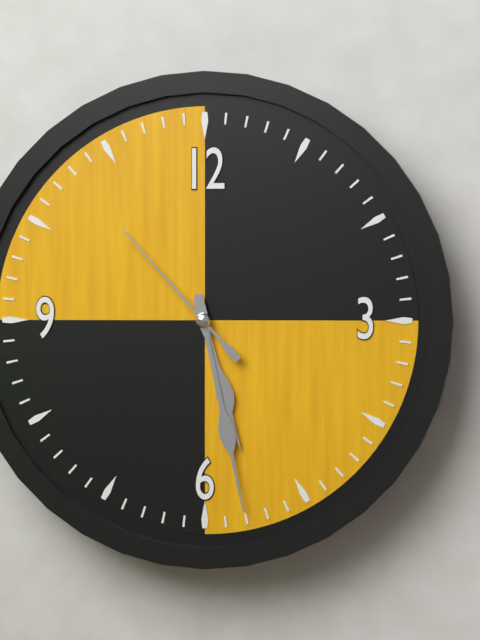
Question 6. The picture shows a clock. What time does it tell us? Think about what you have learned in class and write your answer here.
5:28:53
